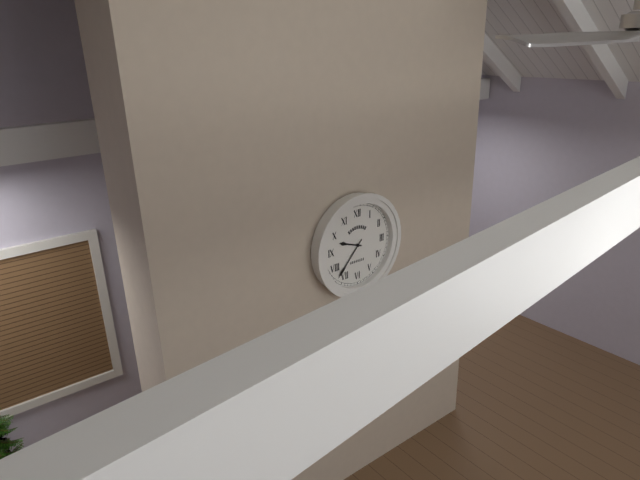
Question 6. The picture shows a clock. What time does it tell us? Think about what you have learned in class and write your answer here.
9:37
